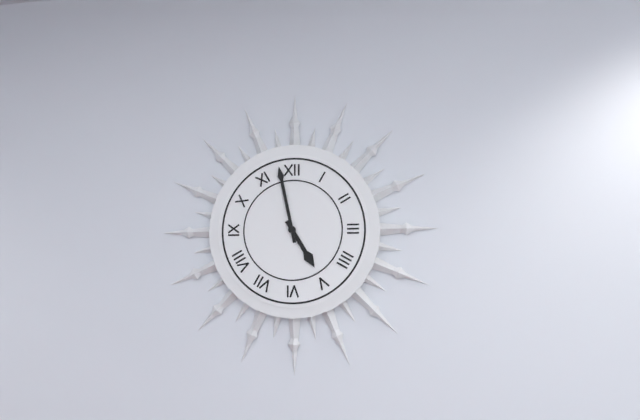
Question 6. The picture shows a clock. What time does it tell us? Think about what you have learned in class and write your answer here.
4:58
